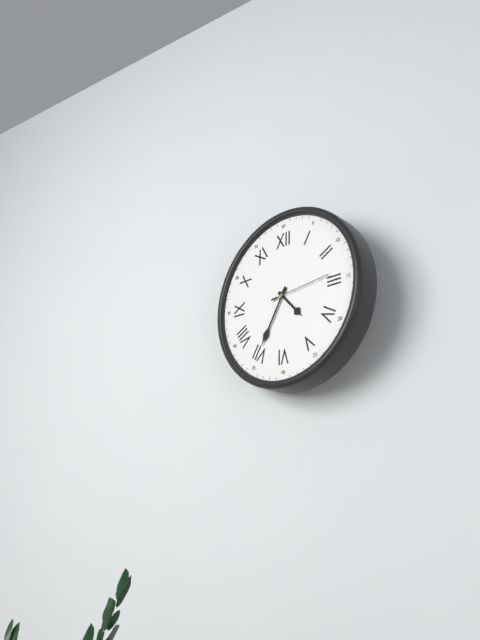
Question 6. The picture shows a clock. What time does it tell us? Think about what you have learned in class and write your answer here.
4:35:14
